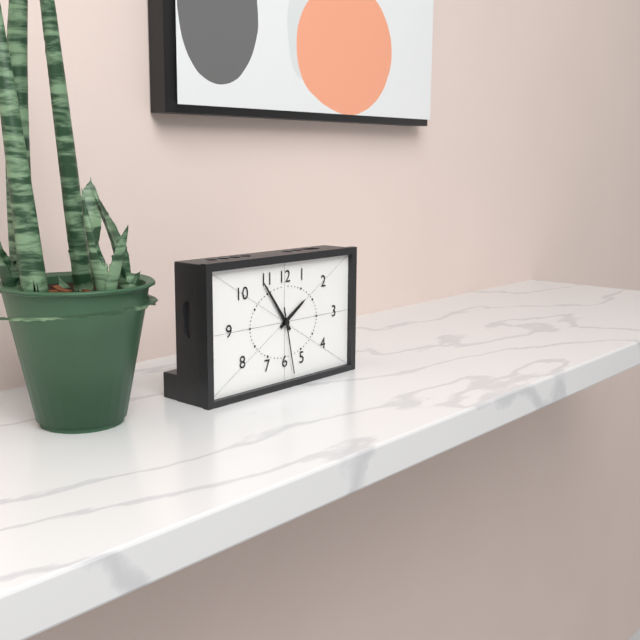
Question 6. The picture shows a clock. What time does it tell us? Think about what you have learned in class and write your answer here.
1:54:28
